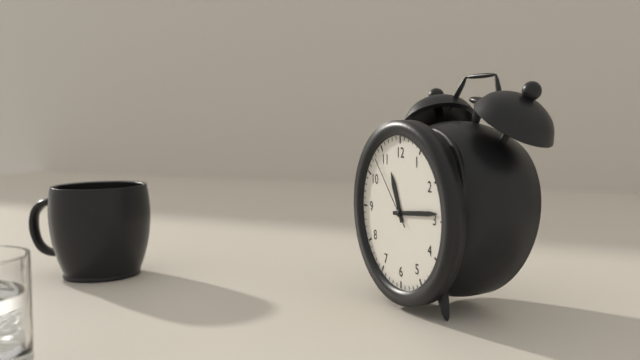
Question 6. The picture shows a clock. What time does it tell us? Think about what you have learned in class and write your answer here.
11:14:53
